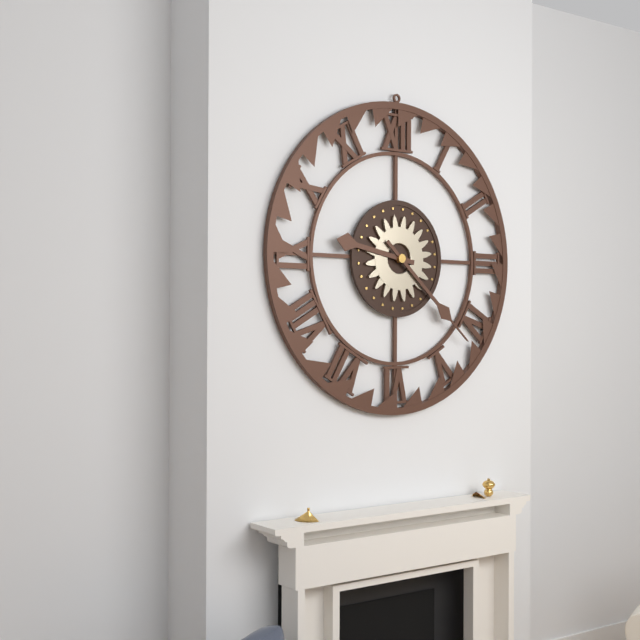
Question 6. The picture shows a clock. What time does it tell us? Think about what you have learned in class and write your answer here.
9:22
